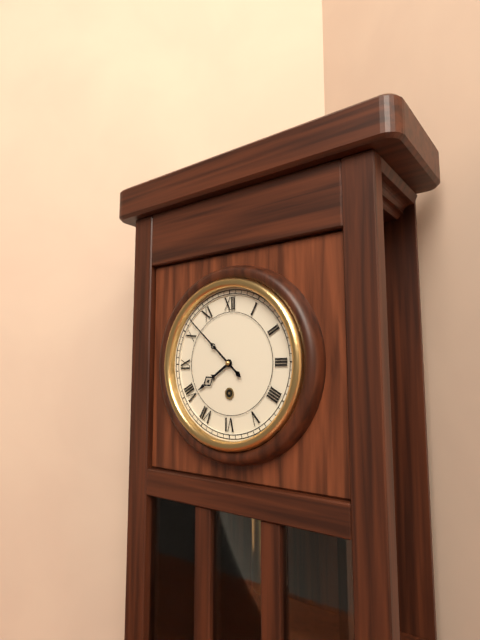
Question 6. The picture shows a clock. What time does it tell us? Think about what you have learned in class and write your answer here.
7:52
